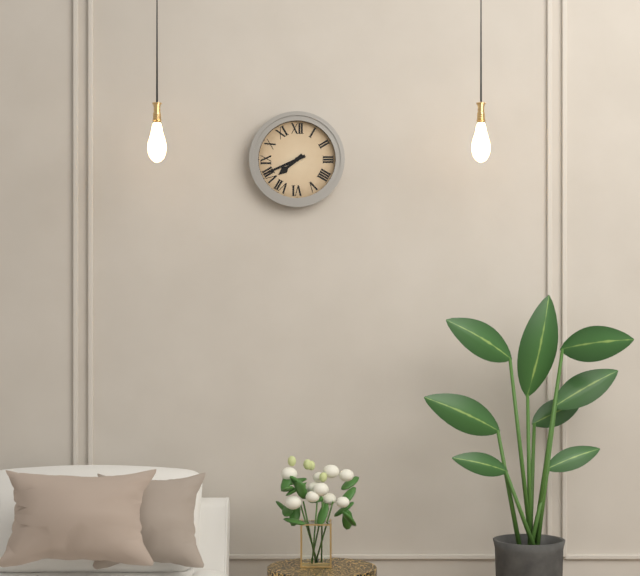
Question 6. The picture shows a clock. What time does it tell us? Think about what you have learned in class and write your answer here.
7:41
